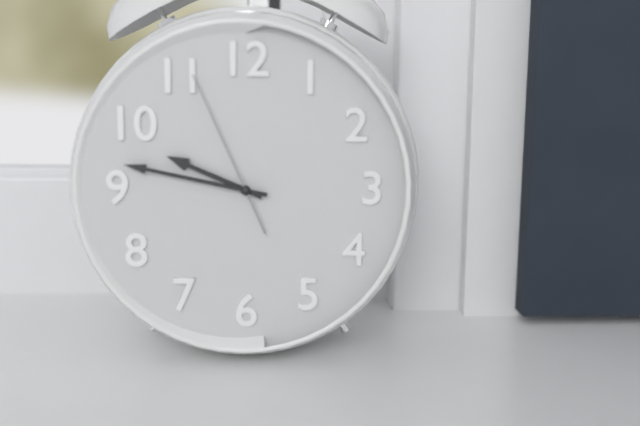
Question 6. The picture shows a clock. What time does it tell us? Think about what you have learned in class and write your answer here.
9:47:56
